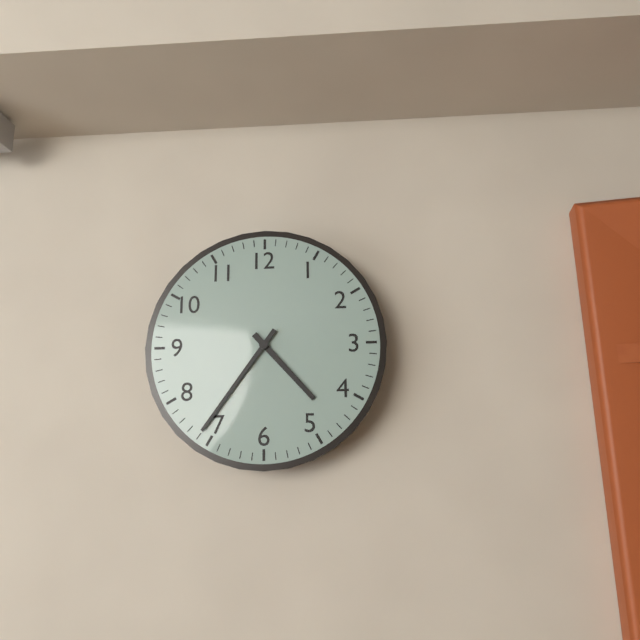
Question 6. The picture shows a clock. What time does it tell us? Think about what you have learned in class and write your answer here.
4:36
